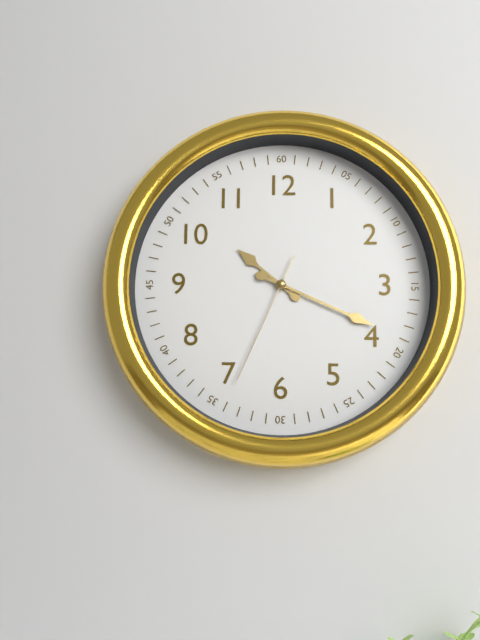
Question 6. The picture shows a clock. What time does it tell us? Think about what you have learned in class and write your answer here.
10:19:34
